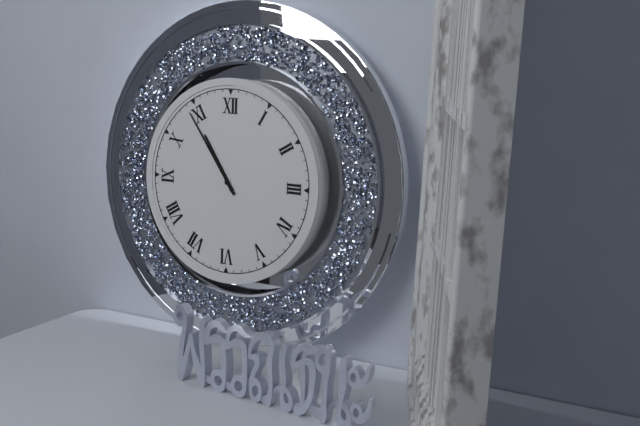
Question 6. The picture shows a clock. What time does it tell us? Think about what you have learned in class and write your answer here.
10:54
